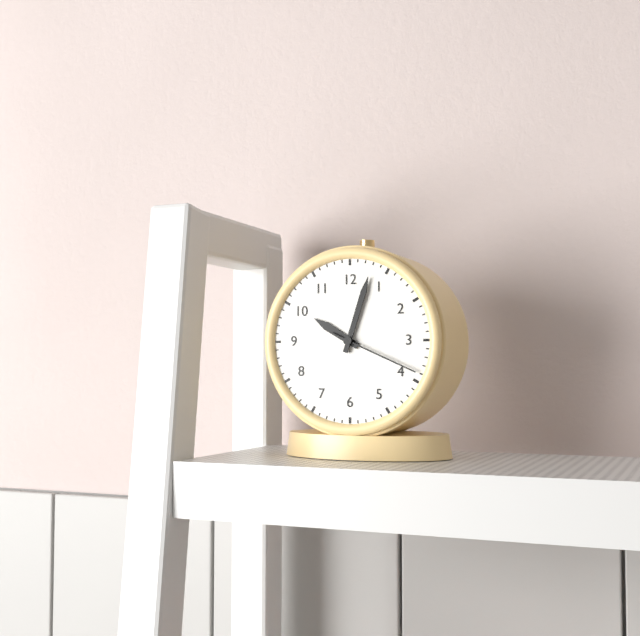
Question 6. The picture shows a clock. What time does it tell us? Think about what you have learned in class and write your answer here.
10:03:19
